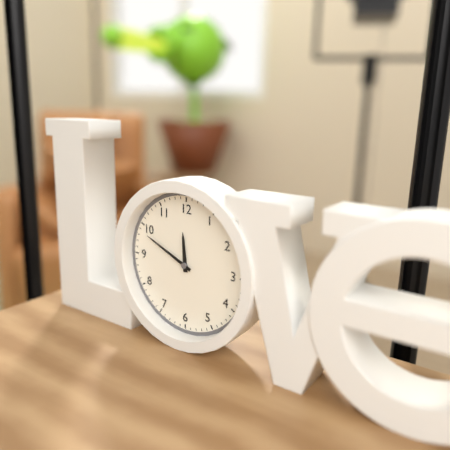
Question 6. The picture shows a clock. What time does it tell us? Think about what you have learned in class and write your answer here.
11:49
